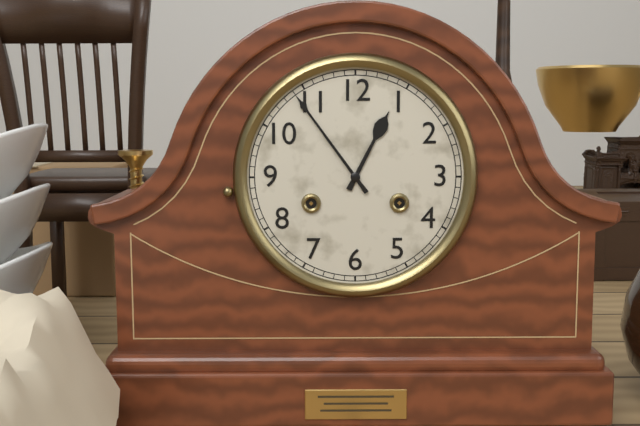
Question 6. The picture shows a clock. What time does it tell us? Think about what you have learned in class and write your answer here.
12:54
